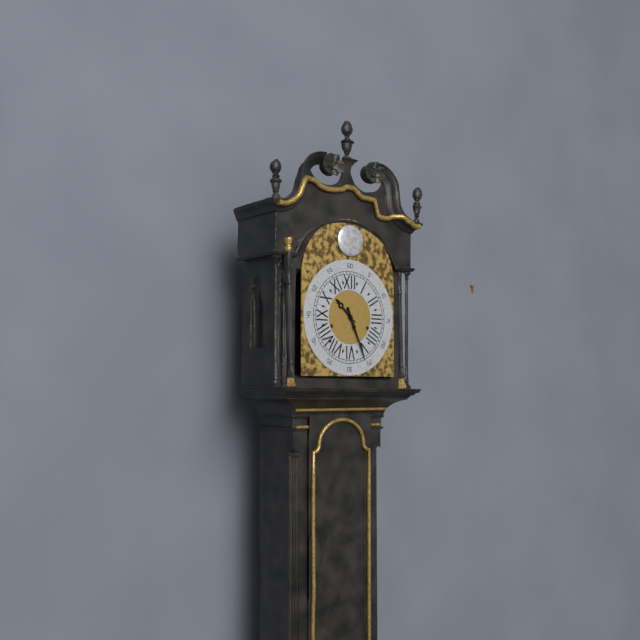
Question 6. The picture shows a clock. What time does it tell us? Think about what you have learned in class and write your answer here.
10:26
